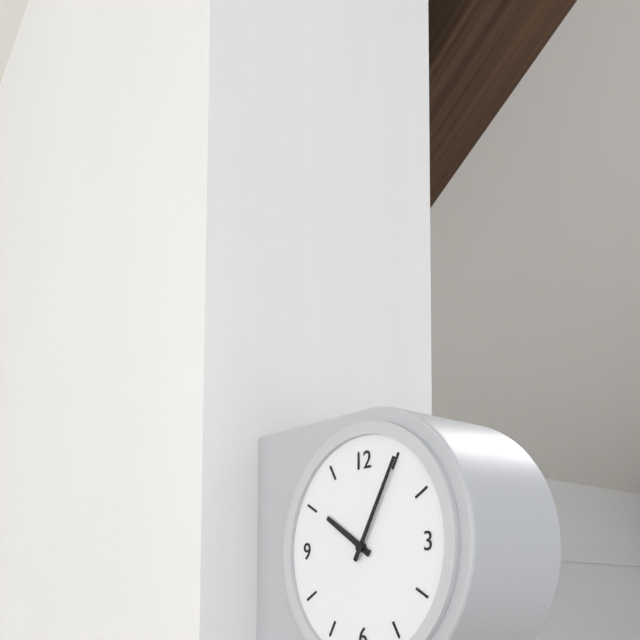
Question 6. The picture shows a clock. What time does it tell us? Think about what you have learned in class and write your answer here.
10:05
